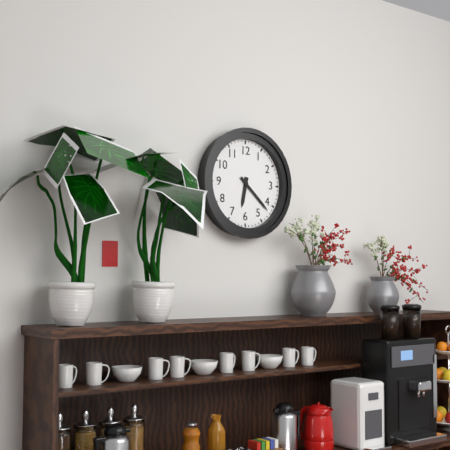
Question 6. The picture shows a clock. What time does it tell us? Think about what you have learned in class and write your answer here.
6:22
